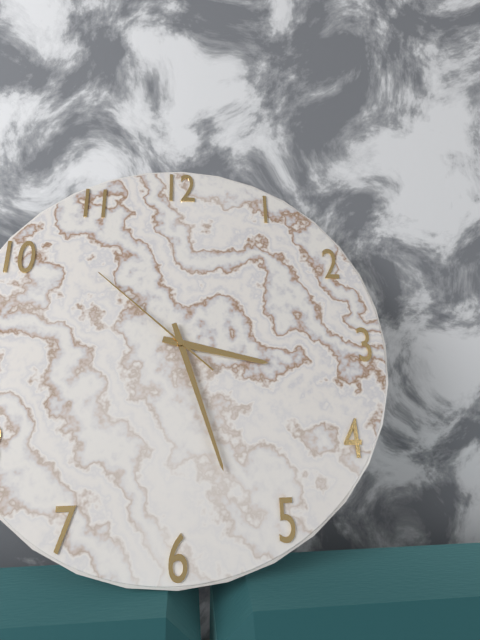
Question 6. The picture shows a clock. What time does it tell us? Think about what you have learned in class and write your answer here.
3:27:52
